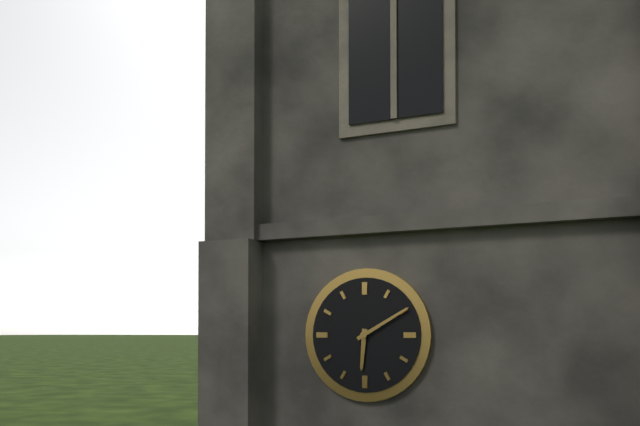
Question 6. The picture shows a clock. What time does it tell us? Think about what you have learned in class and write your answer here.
6:10
